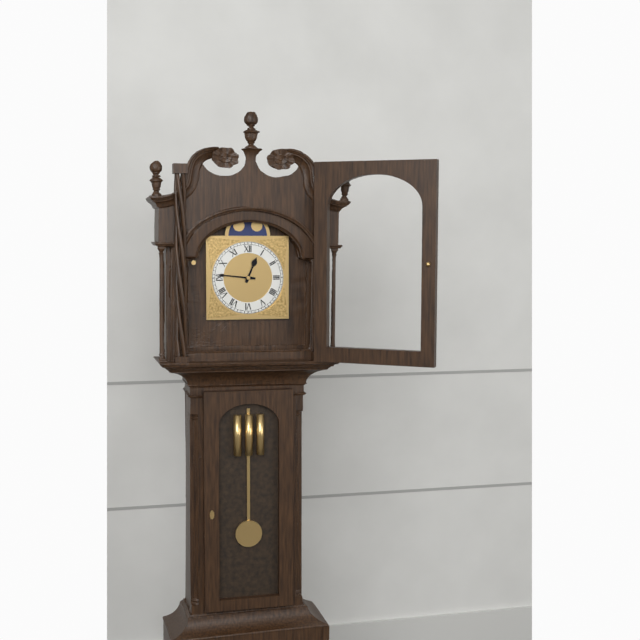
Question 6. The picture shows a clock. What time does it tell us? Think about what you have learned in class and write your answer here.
12:46
